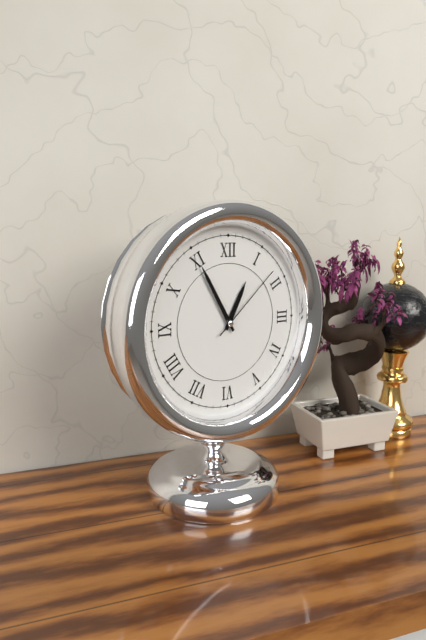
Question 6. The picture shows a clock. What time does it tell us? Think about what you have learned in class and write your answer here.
12:55:08
